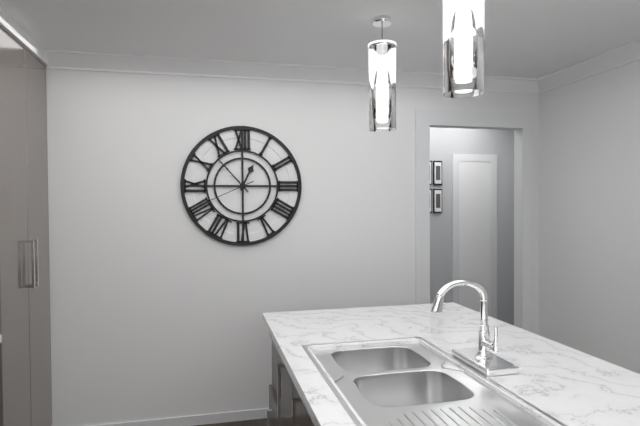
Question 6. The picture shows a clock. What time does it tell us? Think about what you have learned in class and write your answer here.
12:53:41
